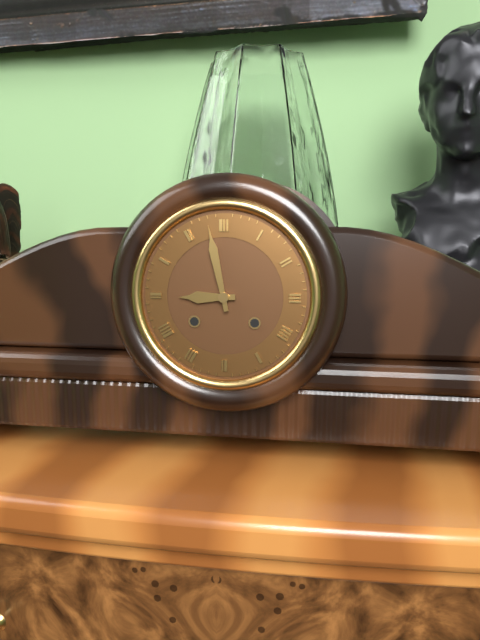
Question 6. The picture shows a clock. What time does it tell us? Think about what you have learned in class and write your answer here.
8:58
